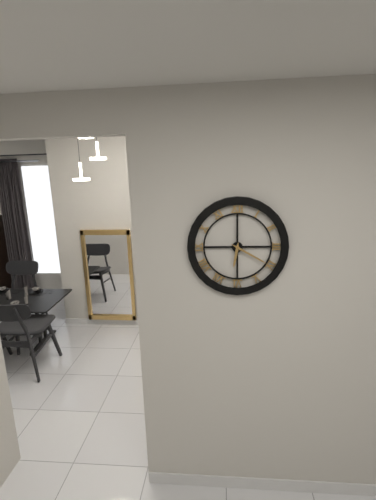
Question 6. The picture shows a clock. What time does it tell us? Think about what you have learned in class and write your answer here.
6:20
